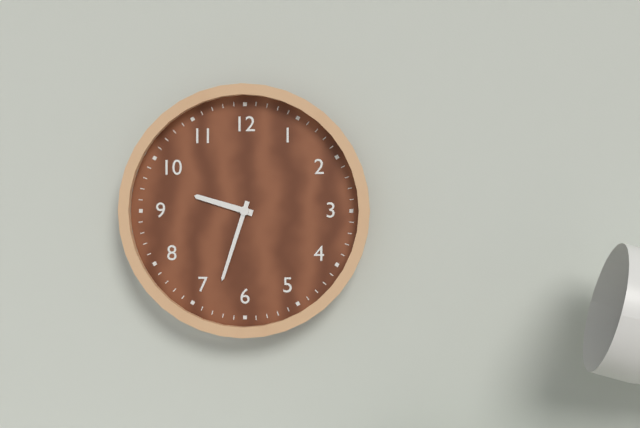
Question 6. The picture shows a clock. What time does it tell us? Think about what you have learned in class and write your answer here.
9:33
